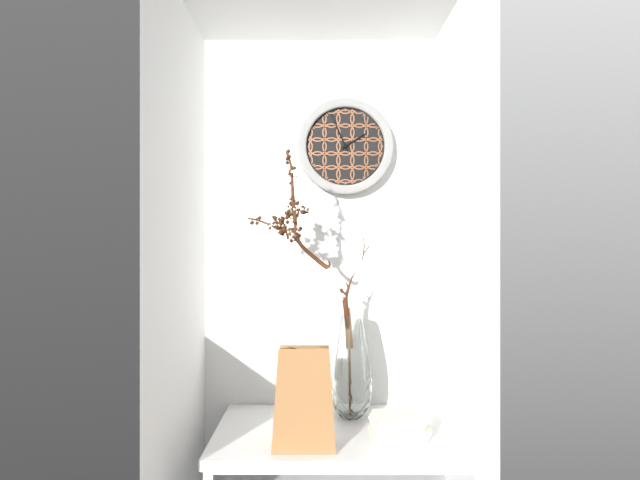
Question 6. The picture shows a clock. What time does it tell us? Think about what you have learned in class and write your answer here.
1:56
